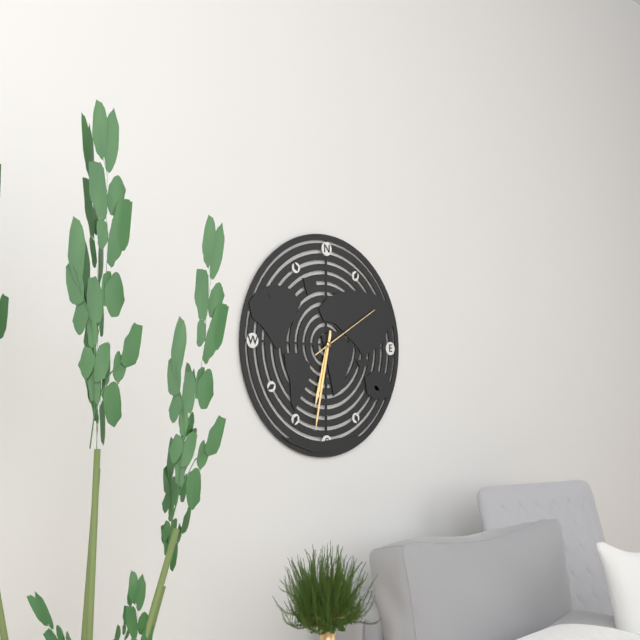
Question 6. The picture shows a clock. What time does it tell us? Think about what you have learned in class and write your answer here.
6:32:10
